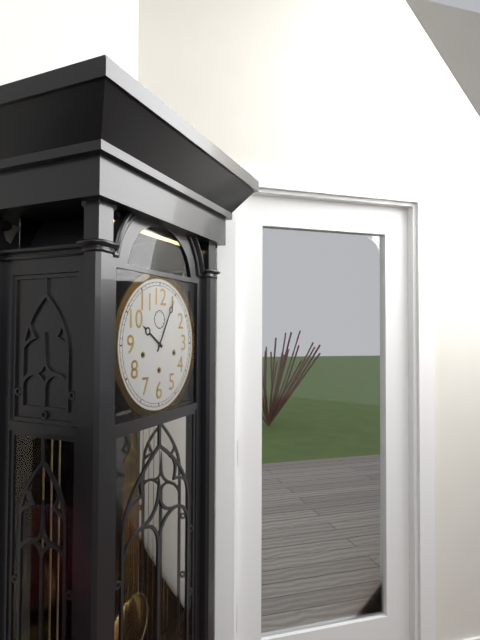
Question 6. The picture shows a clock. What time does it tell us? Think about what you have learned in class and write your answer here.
10:05
